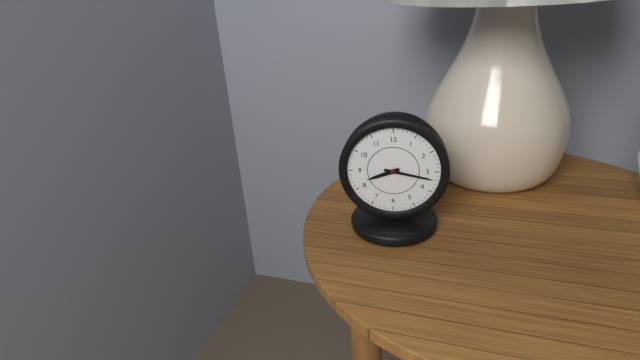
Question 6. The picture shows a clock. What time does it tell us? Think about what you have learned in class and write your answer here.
8:17
